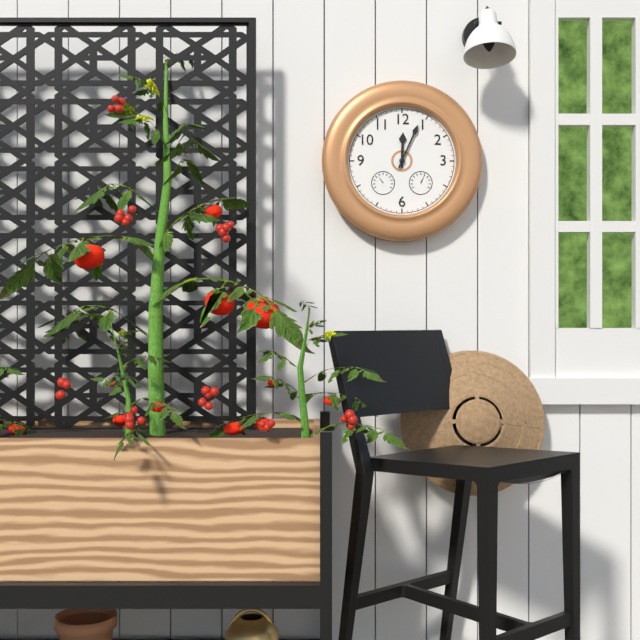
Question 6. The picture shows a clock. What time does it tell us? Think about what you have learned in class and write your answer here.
12:04
